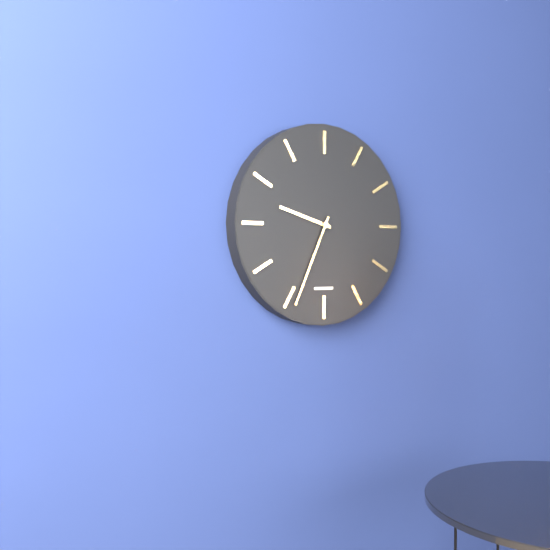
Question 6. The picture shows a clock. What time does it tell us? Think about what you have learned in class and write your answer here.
9:34
